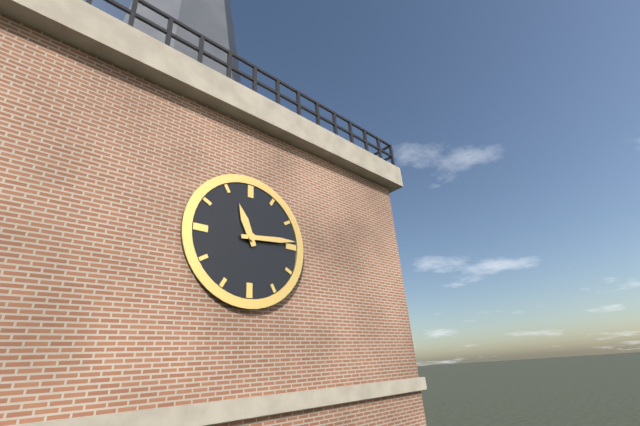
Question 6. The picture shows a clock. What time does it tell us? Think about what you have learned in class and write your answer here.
11:14
